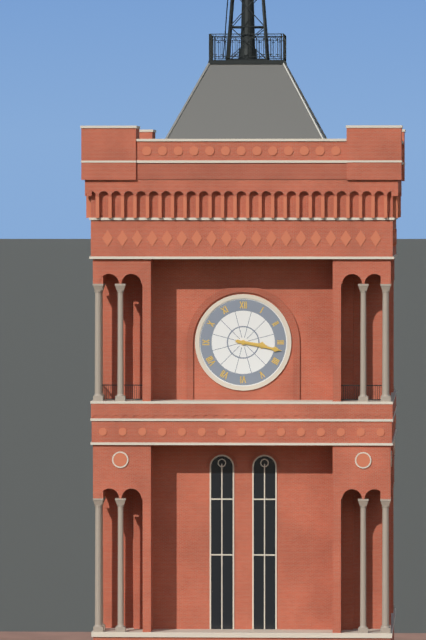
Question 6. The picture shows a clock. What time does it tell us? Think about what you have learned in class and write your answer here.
3:17
